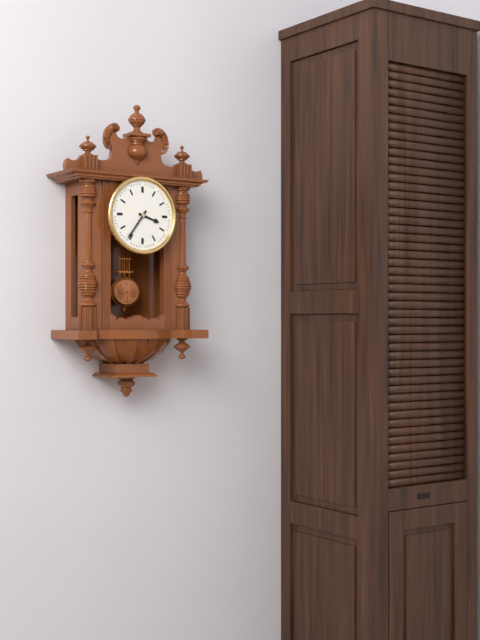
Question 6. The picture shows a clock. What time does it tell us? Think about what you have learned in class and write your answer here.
3:36
